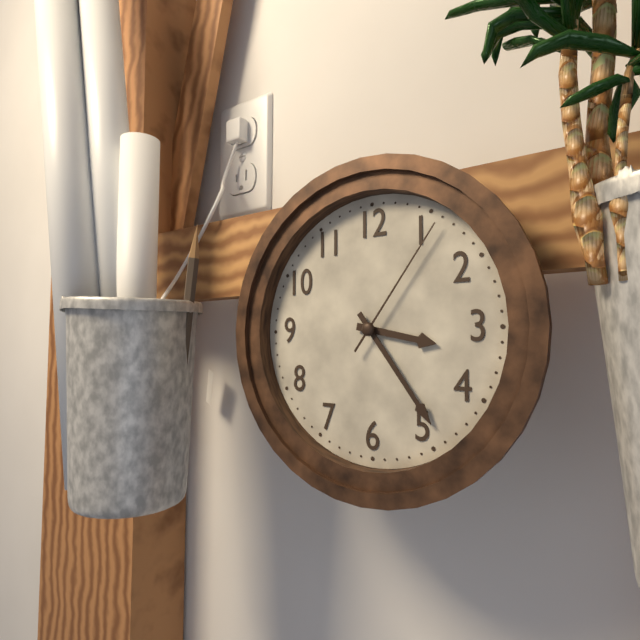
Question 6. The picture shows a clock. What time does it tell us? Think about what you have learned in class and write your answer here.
3:24:06
